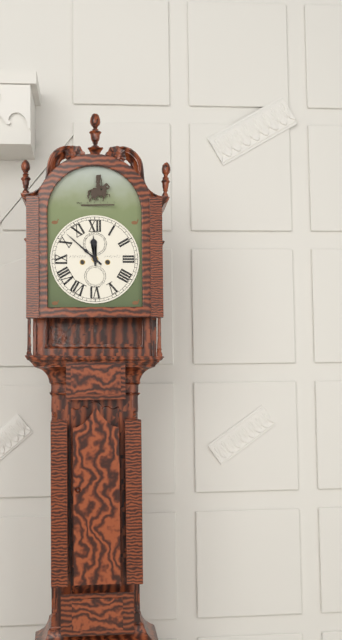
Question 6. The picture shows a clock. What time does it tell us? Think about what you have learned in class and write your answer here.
11:52
